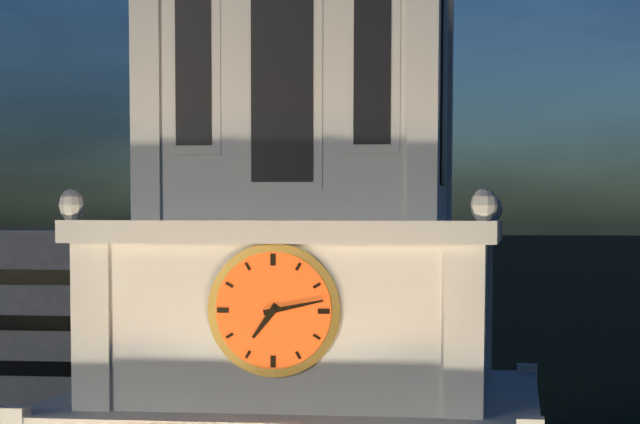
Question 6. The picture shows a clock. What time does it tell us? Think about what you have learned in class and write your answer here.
7:13
